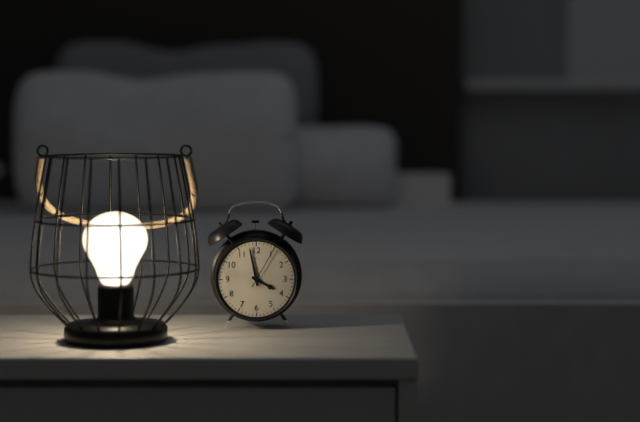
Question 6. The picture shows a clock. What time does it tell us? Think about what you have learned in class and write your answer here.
3:58
